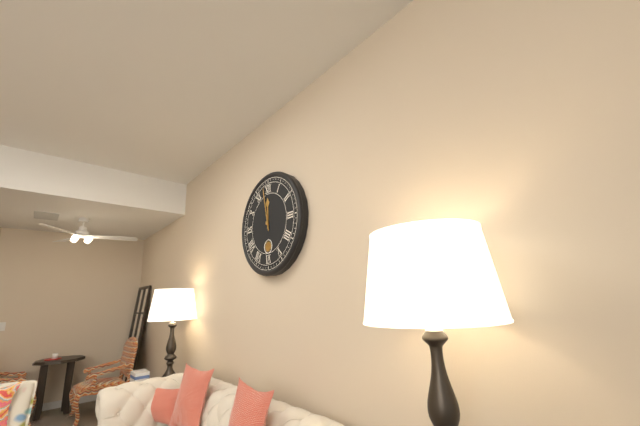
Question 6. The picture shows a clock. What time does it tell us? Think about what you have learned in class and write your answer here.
11:58
